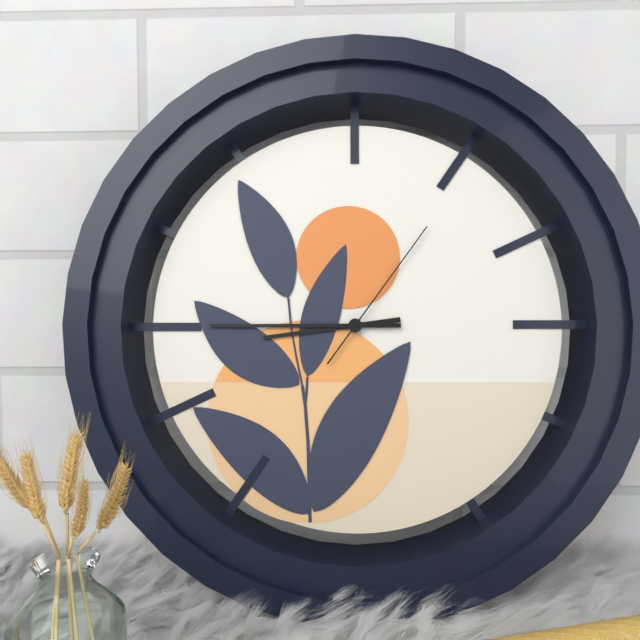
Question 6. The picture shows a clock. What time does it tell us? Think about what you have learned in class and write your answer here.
8:45:06
